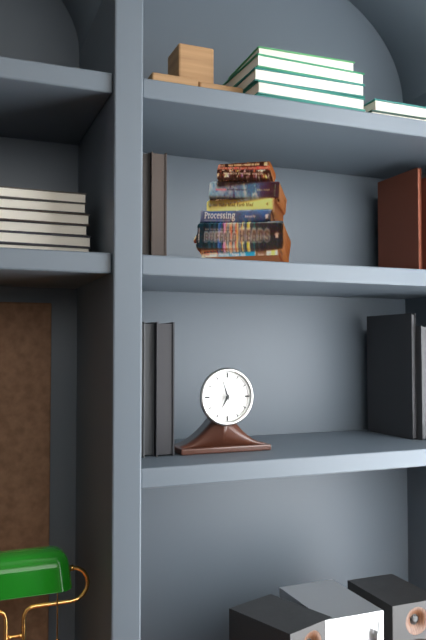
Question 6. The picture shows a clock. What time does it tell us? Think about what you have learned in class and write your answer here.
6:57
